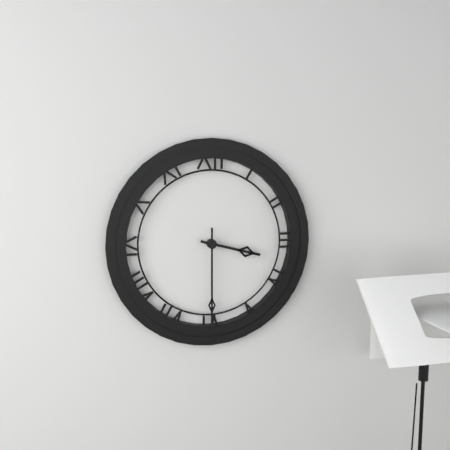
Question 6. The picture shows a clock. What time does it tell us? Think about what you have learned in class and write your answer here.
3:30
